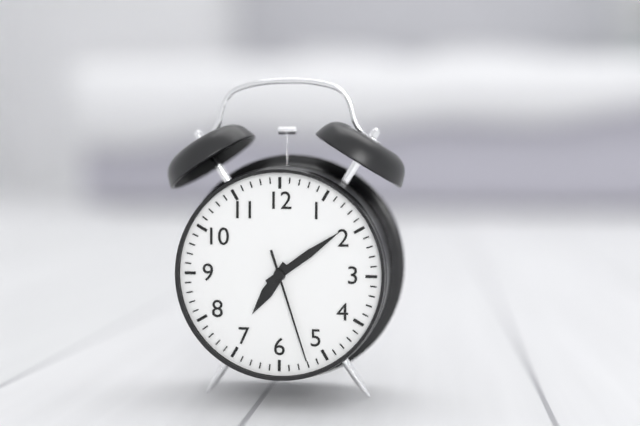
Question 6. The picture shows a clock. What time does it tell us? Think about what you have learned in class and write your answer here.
7:09:27
